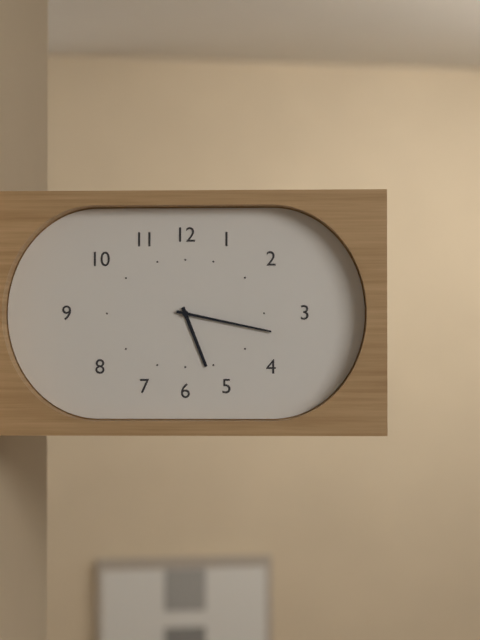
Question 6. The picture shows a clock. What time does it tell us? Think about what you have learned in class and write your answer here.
5:17
